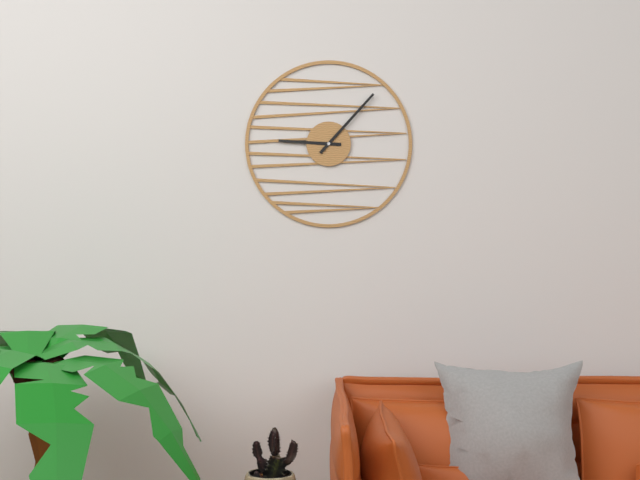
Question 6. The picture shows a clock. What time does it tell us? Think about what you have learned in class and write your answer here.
9:07
